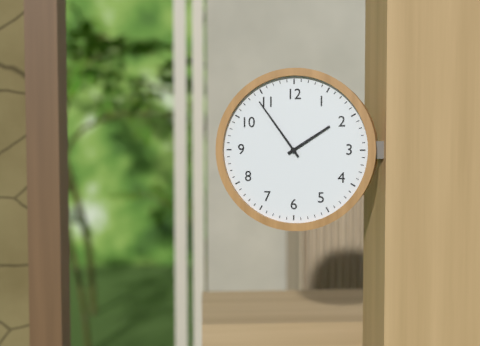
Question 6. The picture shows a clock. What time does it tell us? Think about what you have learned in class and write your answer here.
1:54
